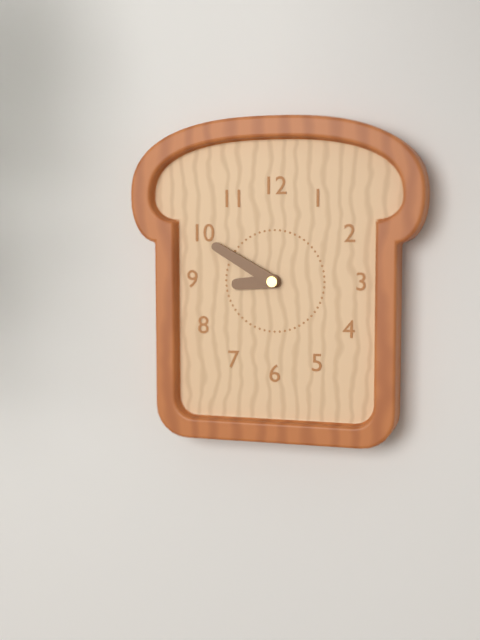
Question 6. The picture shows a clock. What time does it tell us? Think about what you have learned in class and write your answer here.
8:50
